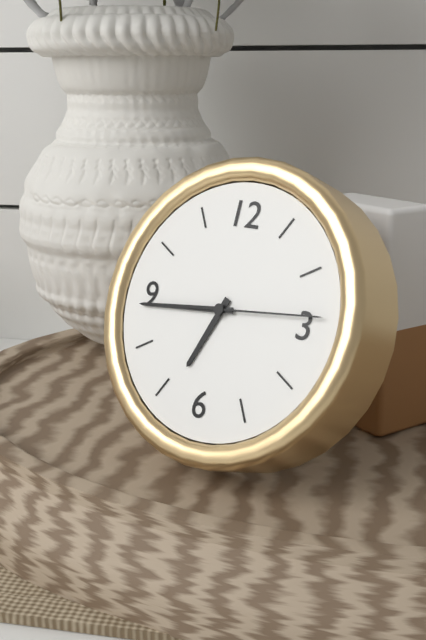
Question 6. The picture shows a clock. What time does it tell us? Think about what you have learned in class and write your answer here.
6:44:14
